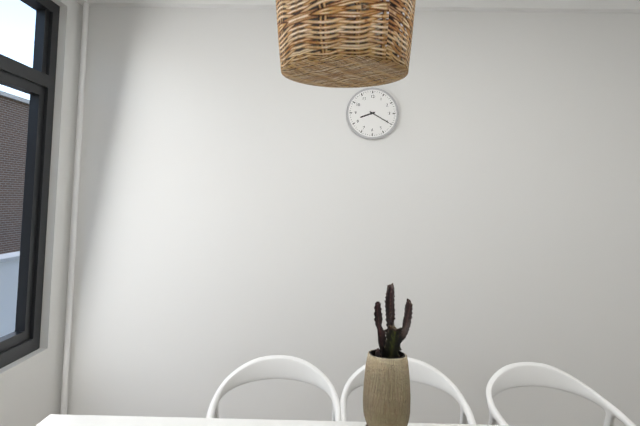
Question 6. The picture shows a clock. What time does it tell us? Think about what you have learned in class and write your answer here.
8:20
